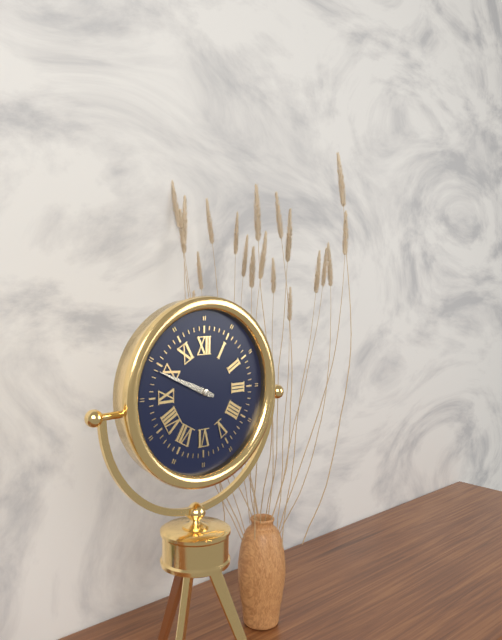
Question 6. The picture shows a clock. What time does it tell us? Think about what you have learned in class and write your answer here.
9:49
